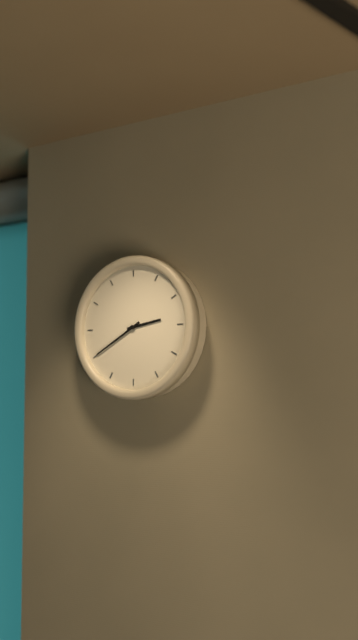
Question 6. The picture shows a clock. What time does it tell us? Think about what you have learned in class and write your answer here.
2:40
